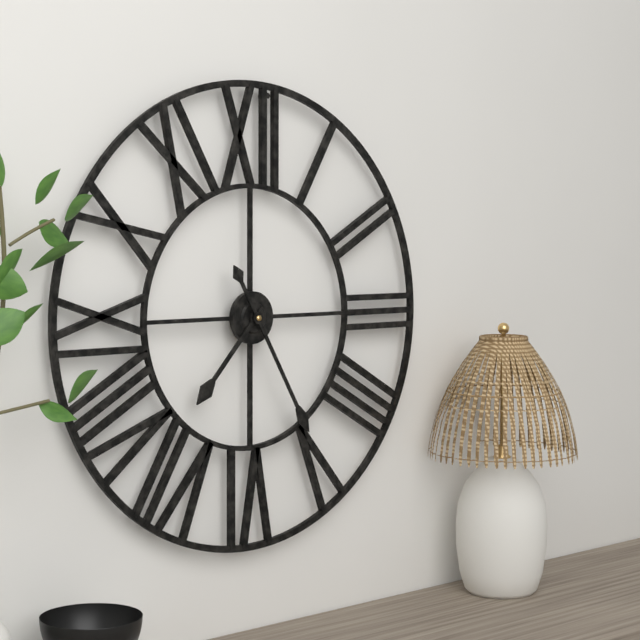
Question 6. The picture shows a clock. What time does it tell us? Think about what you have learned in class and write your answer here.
7:25
